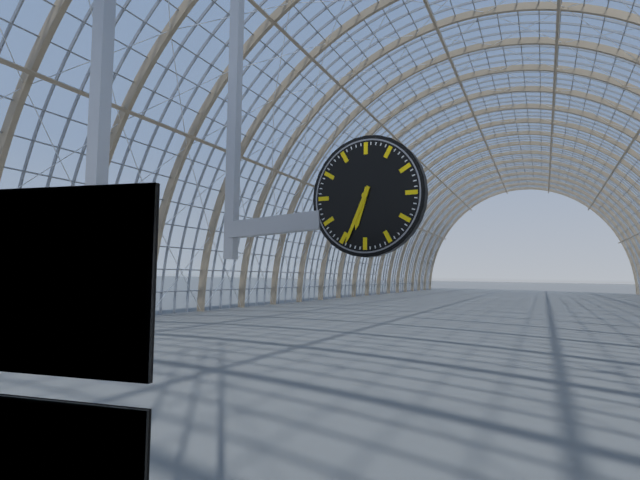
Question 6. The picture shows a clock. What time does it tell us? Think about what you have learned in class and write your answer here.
6:34
